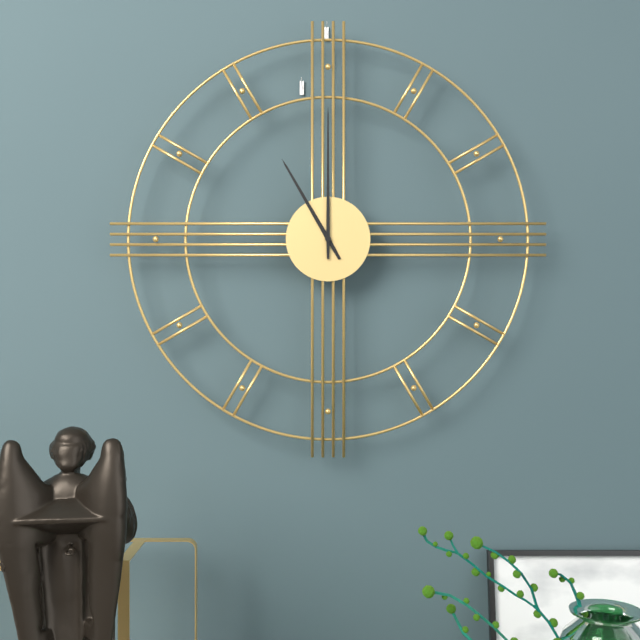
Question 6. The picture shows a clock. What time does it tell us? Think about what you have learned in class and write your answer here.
11:00
